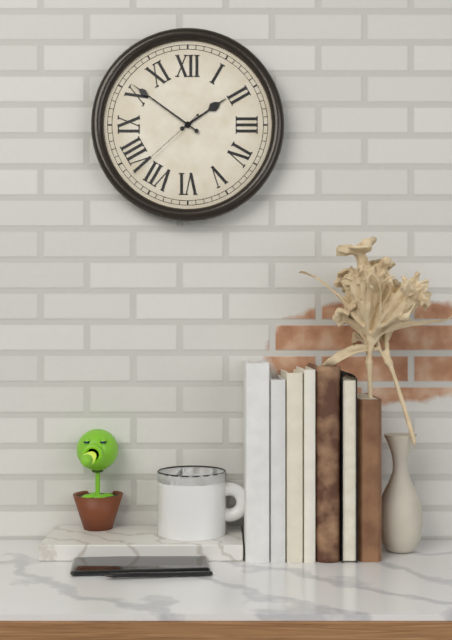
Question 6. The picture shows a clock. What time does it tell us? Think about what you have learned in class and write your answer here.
1:51:38
